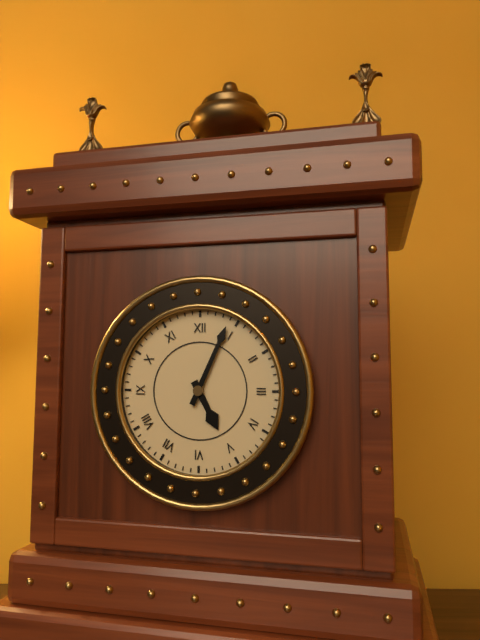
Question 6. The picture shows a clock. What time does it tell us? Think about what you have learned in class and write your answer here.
5:04
